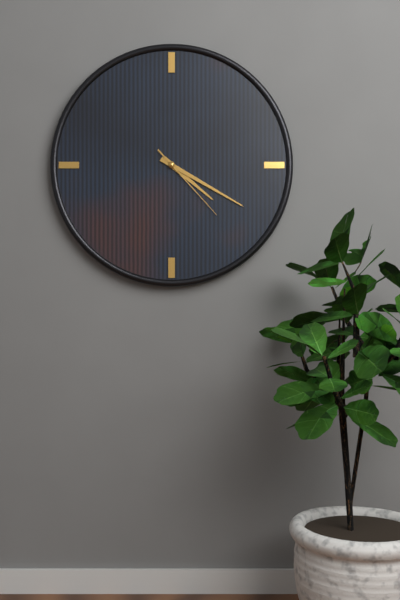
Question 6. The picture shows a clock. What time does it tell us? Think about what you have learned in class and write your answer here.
4:20:23
